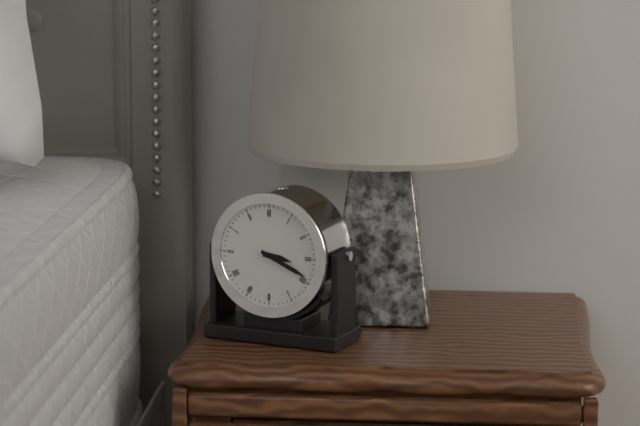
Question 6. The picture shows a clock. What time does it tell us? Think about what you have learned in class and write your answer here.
3:19
